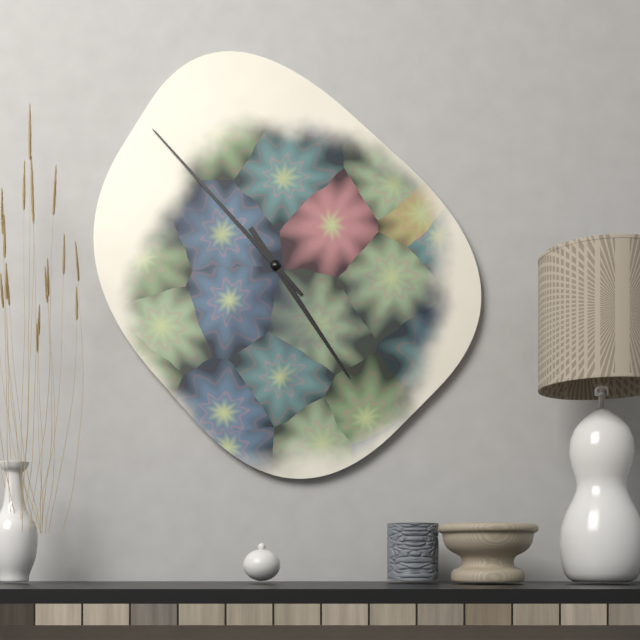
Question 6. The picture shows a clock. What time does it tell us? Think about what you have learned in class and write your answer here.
4:53
